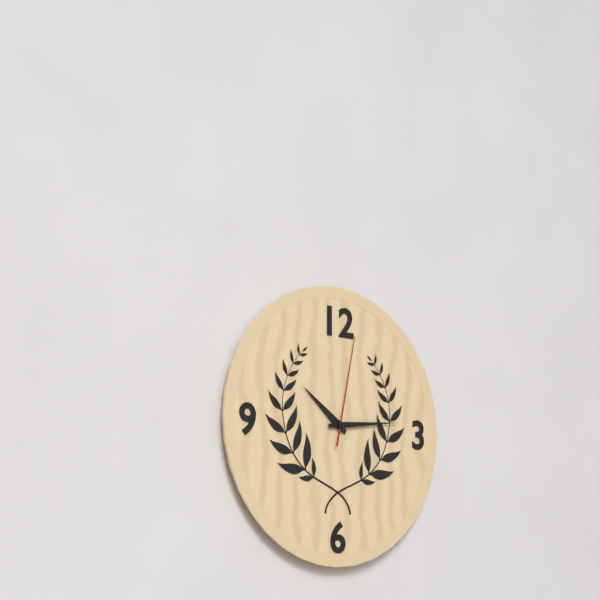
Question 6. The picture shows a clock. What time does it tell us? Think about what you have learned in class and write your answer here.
10:14:02
